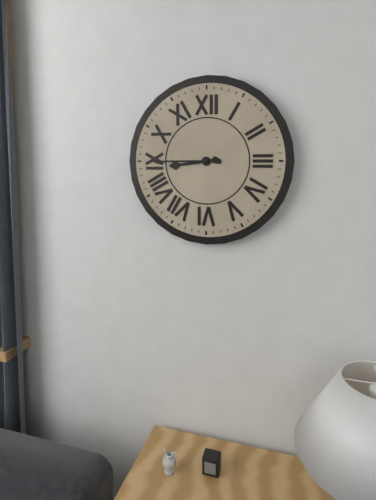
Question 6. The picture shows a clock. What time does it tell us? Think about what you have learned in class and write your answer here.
8:45
